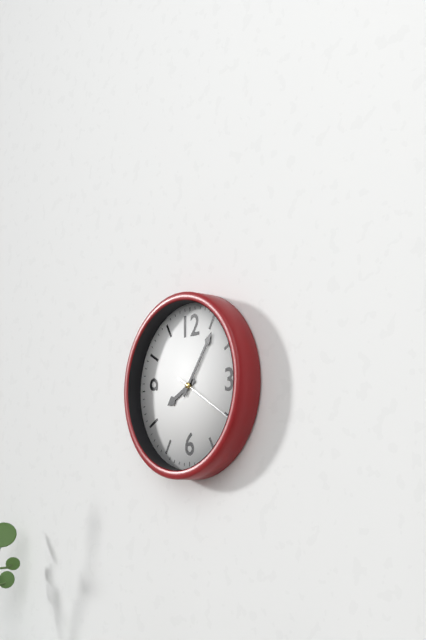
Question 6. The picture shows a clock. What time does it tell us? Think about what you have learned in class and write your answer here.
8:06:20
